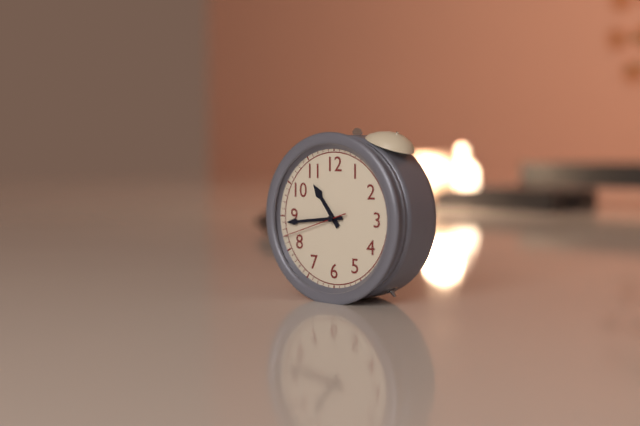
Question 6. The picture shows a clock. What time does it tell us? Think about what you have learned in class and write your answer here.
10:44:42
